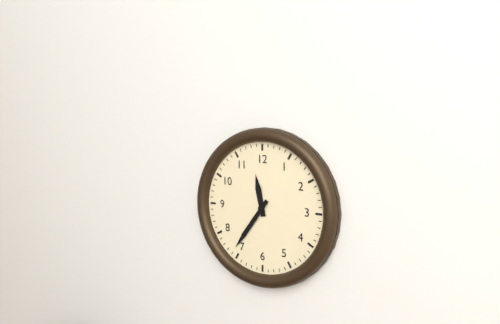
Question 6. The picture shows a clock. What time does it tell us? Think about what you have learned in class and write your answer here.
11:36
